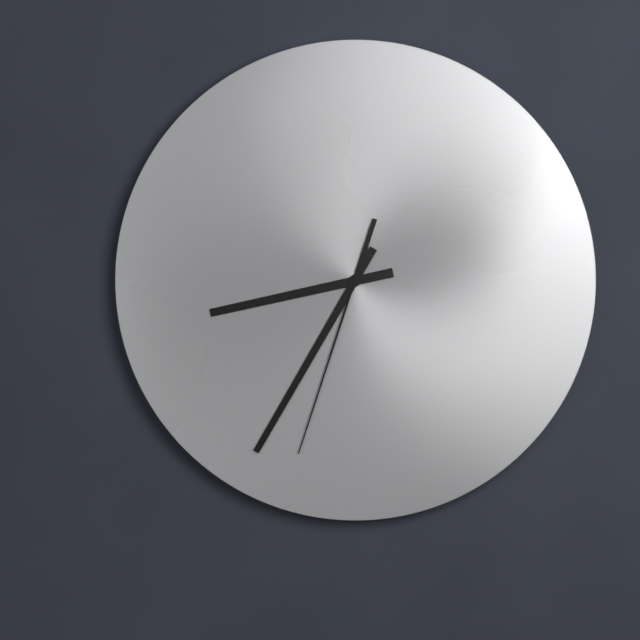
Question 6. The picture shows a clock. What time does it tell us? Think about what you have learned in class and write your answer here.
8:35:33
